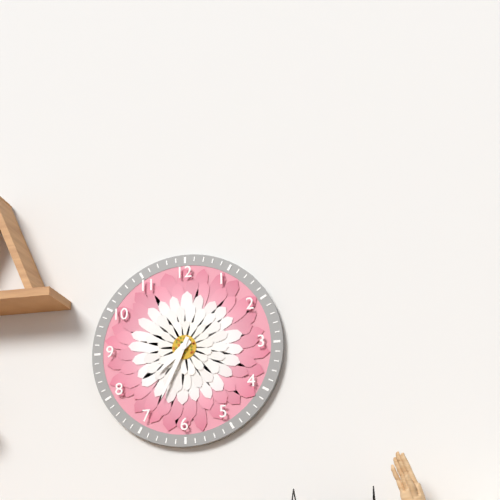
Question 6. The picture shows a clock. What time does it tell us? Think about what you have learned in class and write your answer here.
7:34
